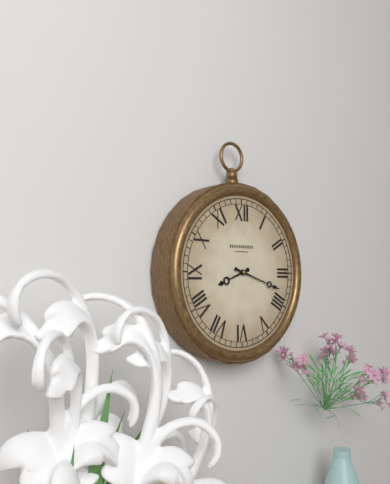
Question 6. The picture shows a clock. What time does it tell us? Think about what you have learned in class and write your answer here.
8:18
